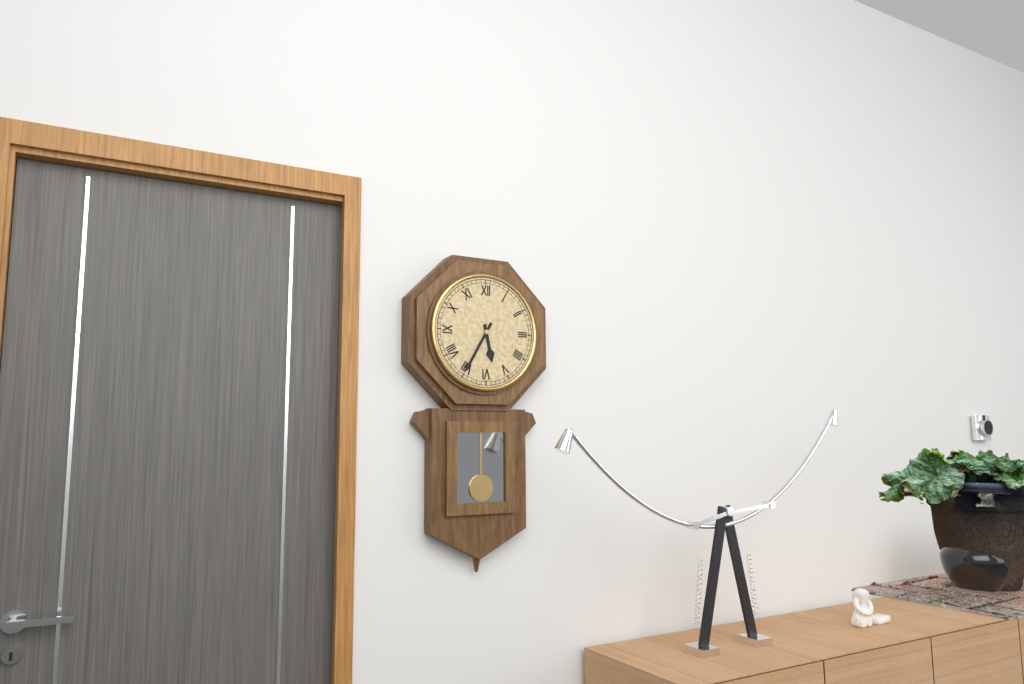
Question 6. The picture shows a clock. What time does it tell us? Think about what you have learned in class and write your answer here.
5:35
